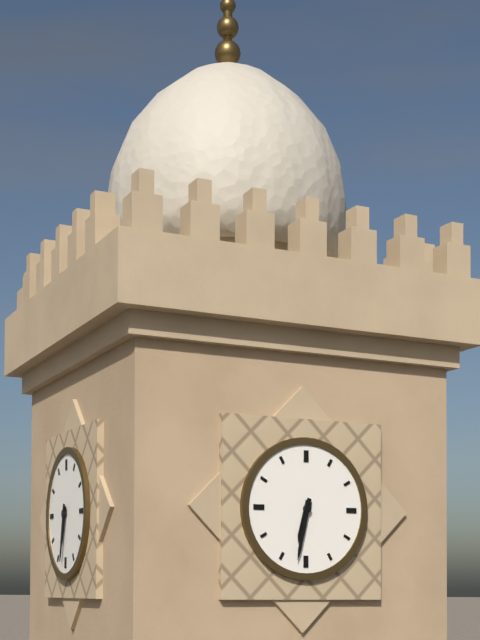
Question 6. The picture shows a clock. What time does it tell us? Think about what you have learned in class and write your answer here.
6:32
